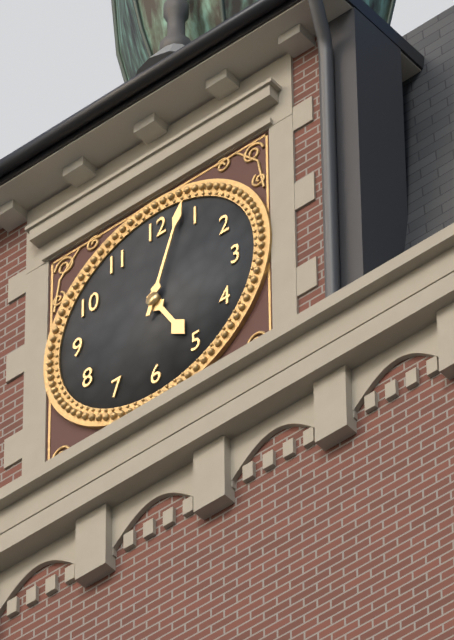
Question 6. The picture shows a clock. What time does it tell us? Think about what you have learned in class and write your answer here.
5:03
